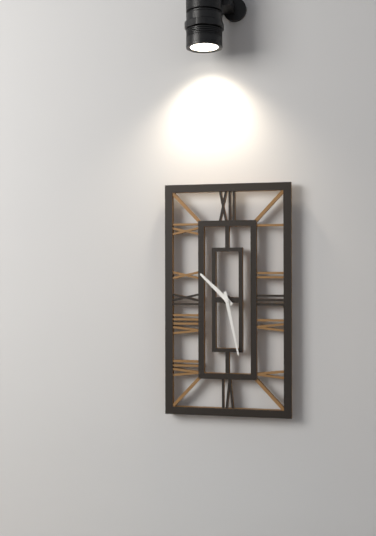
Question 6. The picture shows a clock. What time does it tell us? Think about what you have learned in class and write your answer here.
10:28
